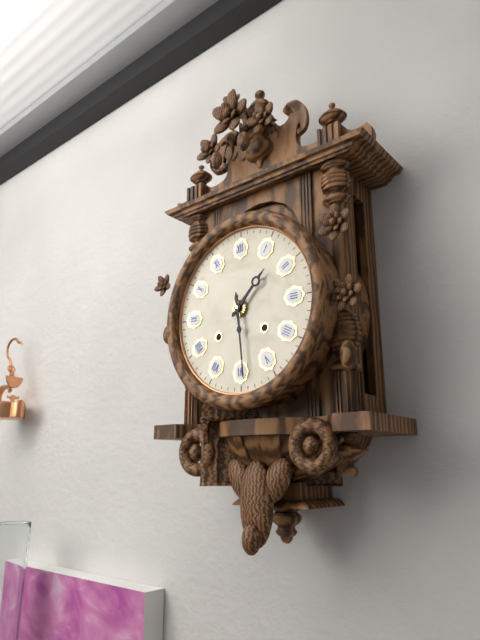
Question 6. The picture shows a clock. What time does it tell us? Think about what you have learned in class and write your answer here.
1:29
